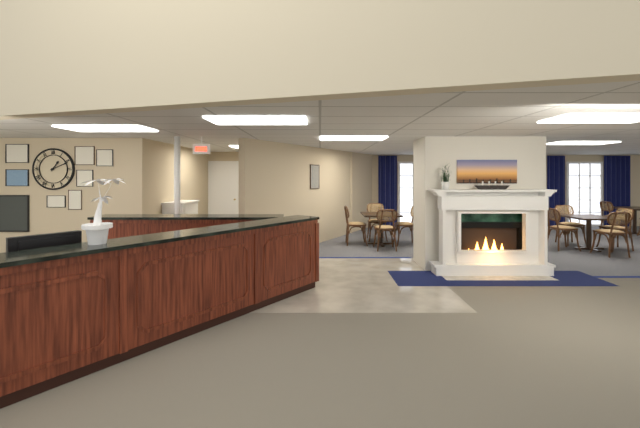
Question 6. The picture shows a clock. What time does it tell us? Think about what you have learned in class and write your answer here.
1:11
